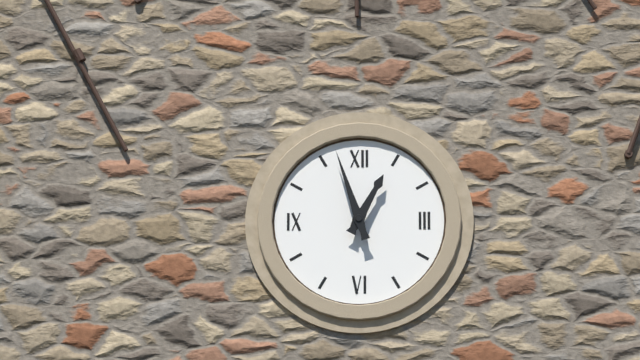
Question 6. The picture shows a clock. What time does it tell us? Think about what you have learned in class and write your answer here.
12:57
